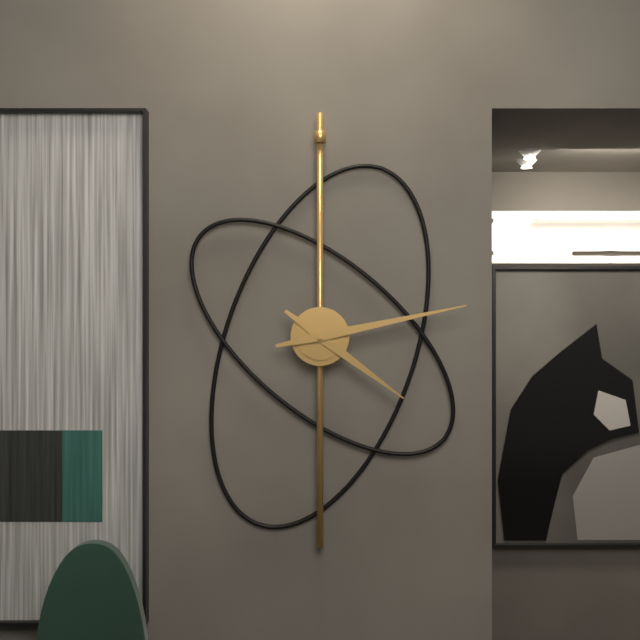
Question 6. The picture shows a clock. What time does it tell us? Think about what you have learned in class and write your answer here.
4:13
